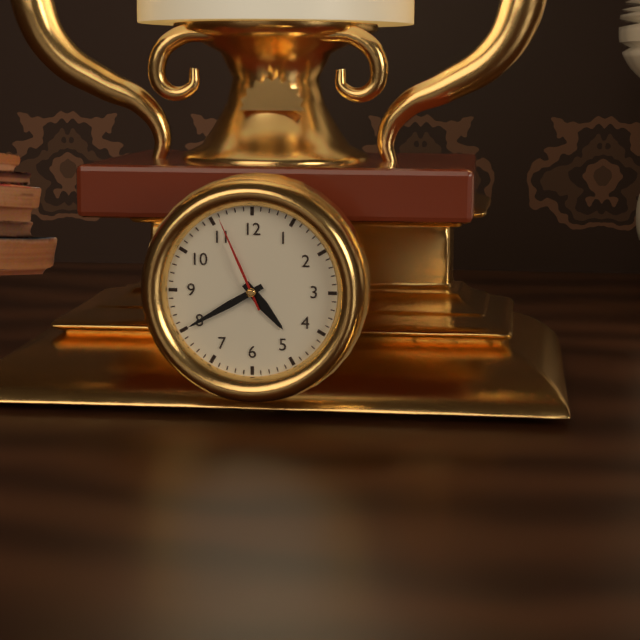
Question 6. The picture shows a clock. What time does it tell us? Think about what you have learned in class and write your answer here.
4:40:56
